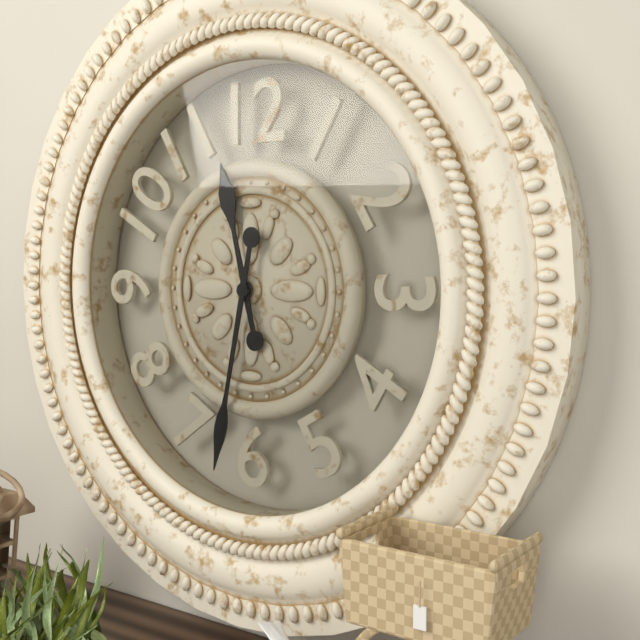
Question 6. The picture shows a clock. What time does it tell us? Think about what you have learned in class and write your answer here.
11:32
